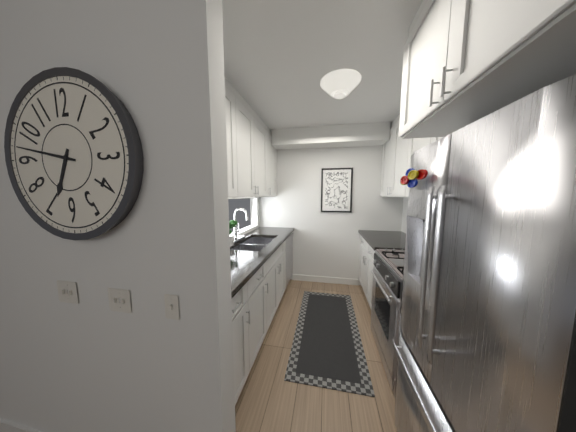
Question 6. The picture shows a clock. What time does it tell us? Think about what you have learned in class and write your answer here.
6:47
